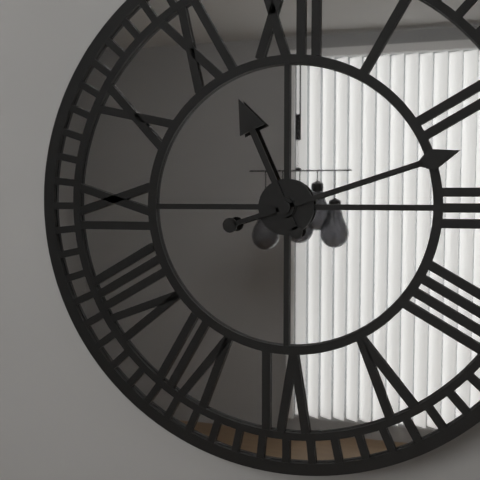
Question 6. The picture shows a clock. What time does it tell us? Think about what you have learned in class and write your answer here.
11:12
